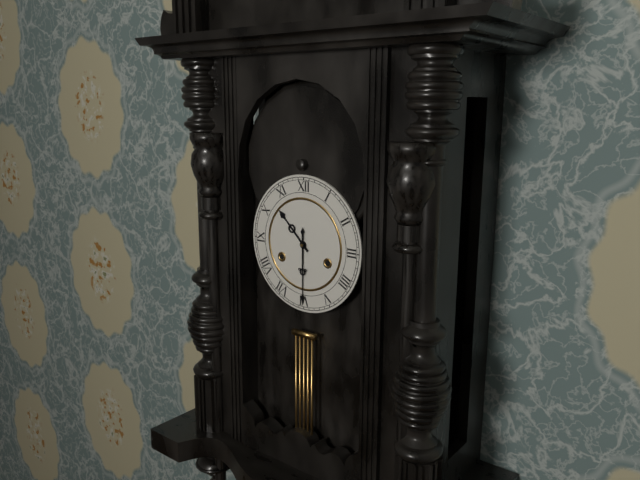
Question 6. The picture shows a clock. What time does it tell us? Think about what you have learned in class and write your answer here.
10:30
